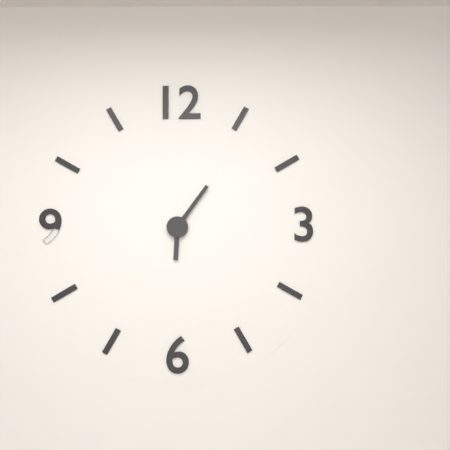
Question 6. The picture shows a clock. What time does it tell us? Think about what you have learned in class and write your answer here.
6:06
